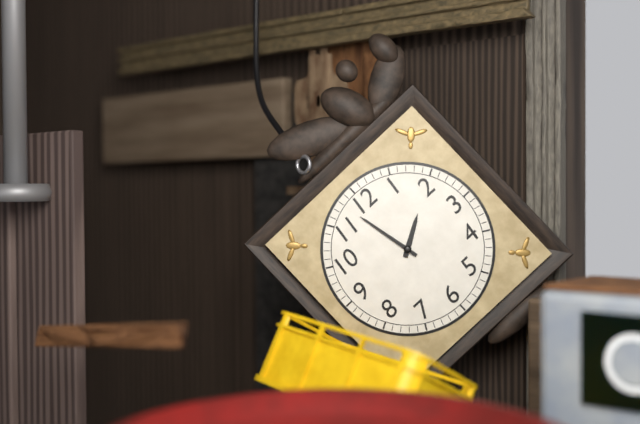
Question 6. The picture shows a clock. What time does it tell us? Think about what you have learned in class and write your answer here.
1:58
